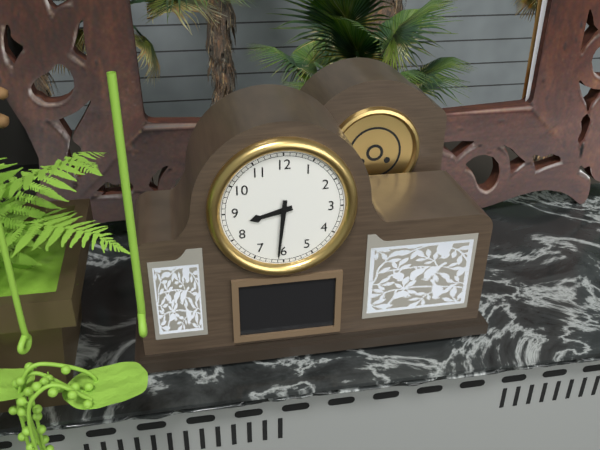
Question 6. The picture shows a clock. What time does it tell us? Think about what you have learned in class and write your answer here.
8:31
